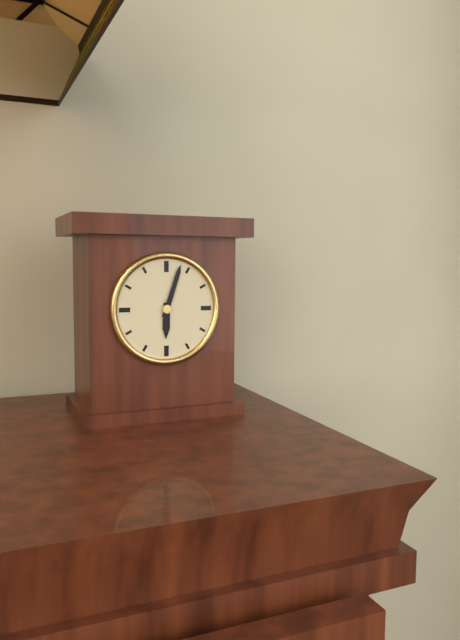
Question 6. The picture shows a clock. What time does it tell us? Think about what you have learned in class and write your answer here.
6:03
